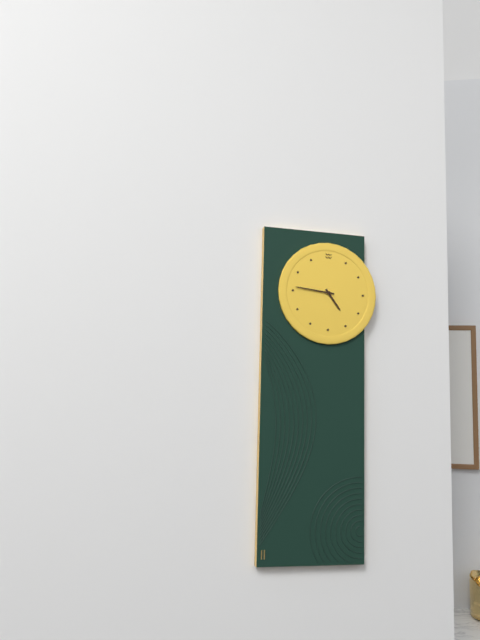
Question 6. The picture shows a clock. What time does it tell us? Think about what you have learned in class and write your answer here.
4:46
